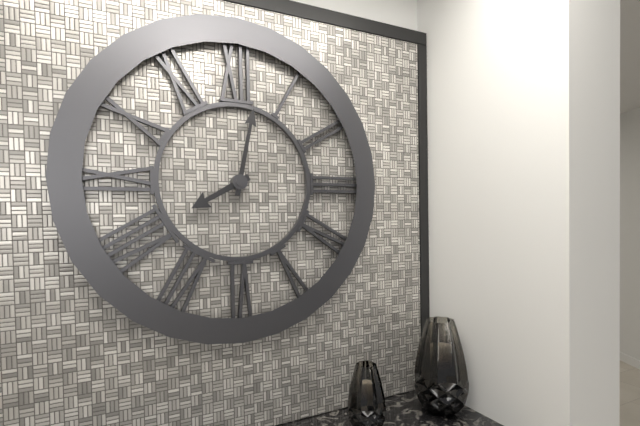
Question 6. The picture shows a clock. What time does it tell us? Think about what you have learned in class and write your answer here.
8:02
